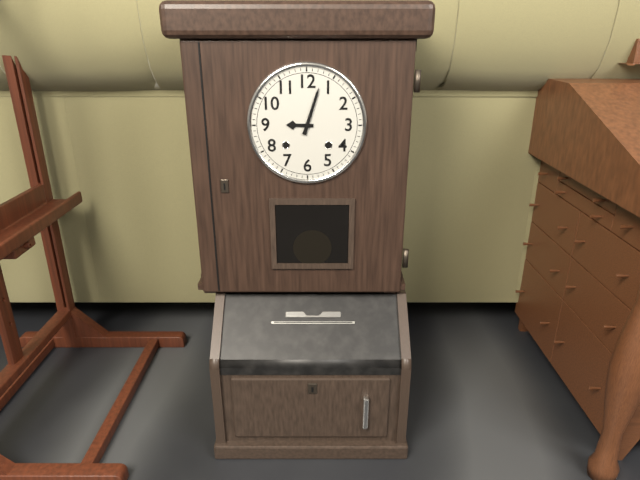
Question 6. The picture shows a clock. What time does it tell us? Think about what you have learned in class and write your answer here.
9:03
